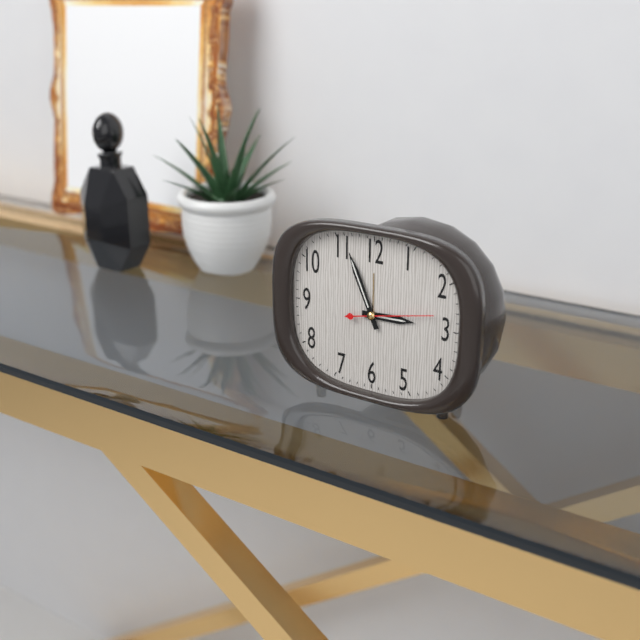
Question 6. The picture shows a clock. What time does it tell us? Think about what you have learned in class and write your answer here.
2:56:13
